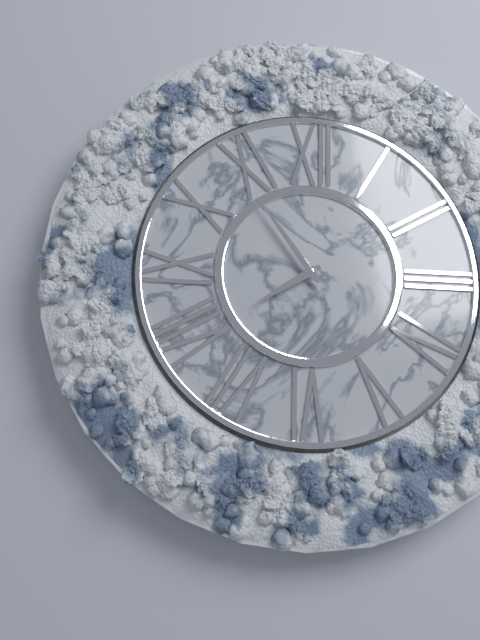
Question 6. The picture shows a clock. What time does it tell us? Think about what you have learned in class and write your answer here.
7:54
